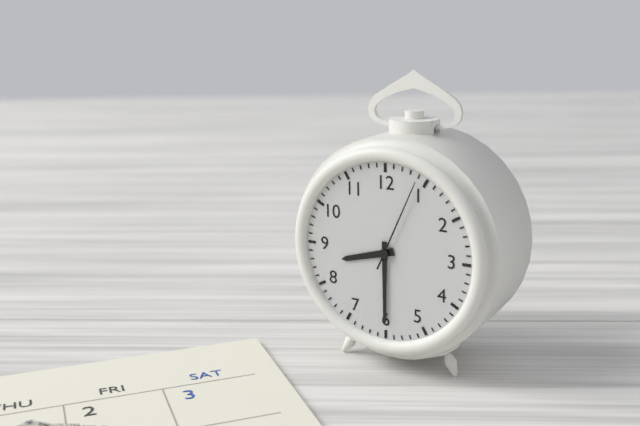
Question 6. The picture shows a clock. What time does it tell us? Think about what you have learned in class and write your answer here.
8:30:04
